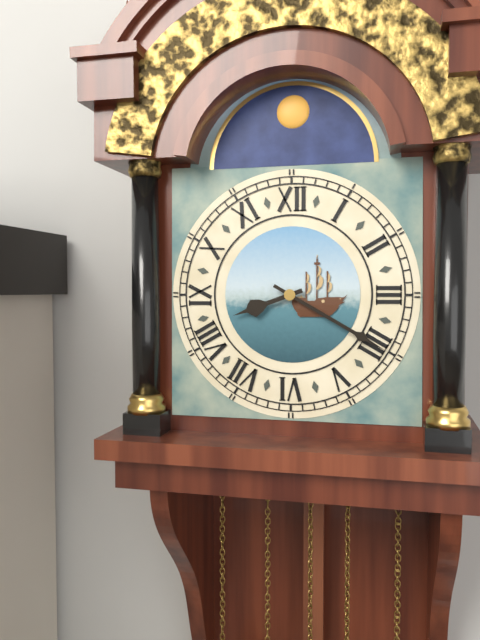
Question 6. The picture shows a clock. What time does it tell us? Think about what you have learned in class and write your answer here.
8:20
